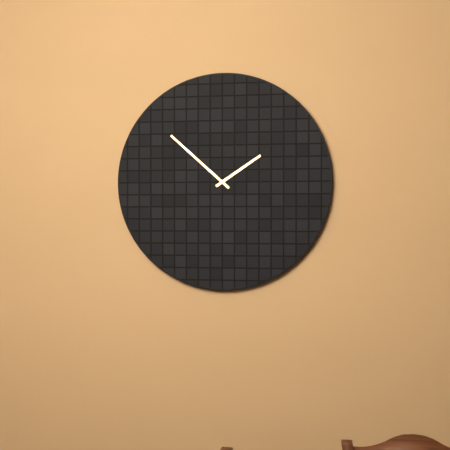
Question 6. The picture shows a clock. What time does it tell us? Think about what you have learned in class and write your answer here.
1:52
